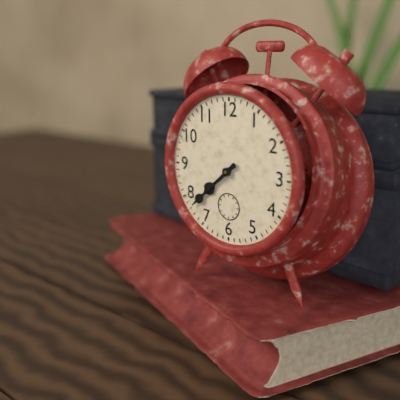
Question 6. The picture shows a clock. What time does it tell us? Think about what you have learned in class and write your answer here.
7:38
